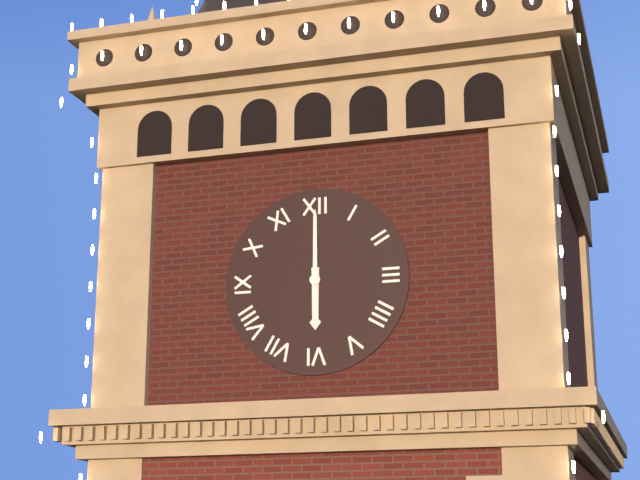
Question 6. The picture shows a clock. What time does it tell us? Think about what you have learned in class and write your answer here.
6:00
